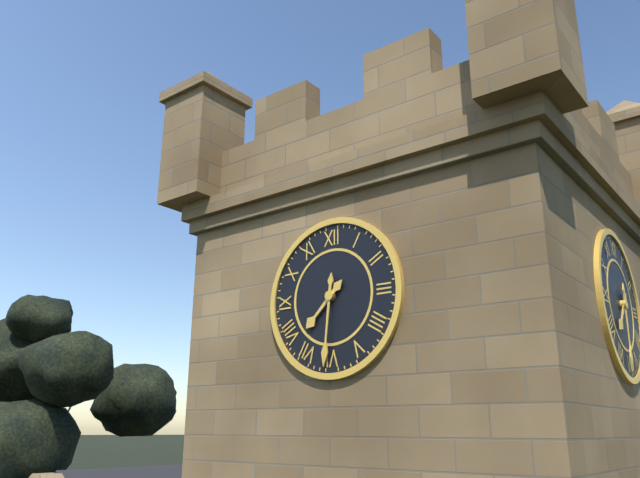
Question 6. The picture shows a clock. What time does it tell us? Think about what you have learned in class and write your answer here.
7:31
